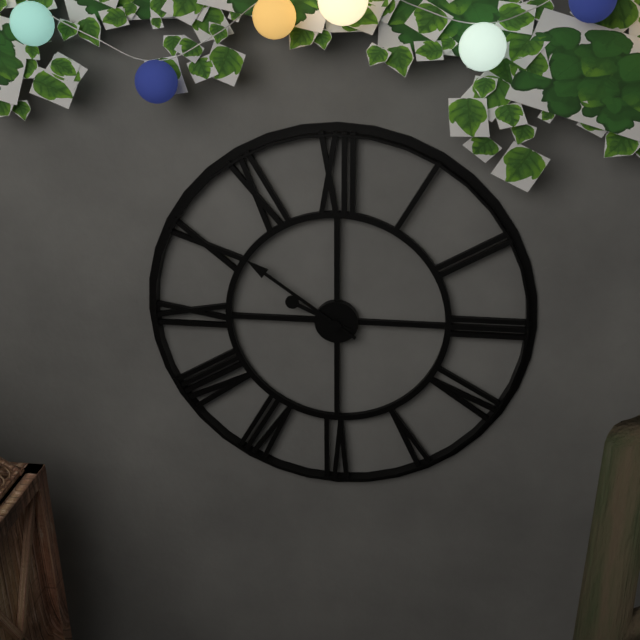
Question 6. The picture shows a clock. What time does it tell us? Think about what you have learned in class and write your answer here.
9:51
